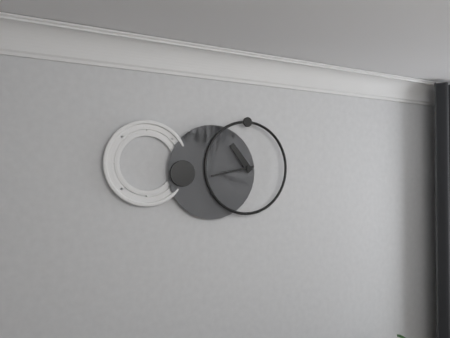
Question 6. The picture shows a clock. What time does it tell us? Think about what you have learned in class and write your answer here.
10:43
